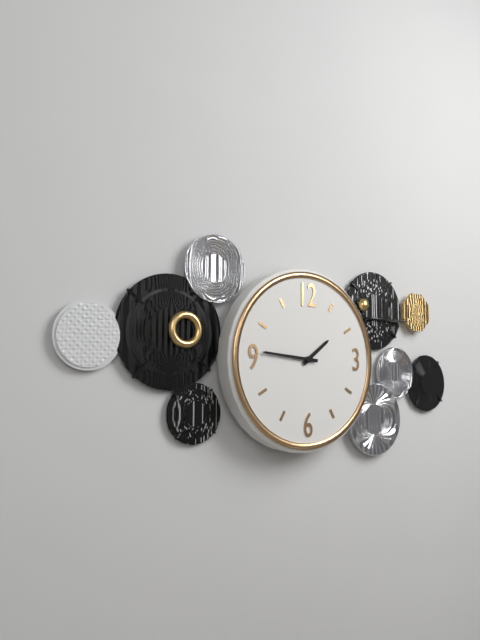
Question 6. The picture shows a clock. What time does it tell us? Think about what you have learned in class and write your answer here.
1:46
